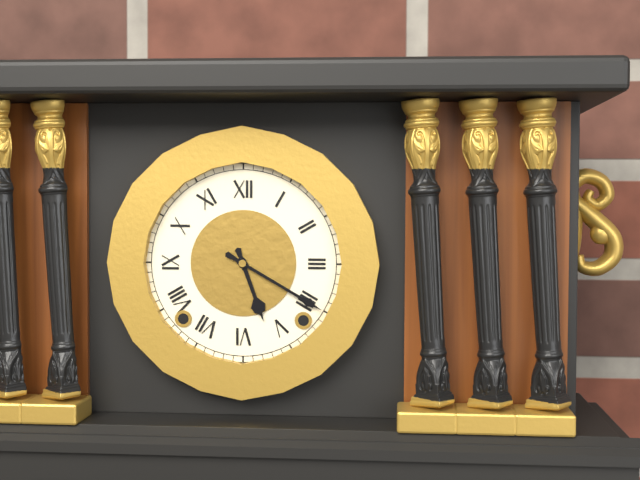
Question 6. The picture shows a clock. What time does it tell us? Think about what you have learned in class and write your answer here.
5:20
